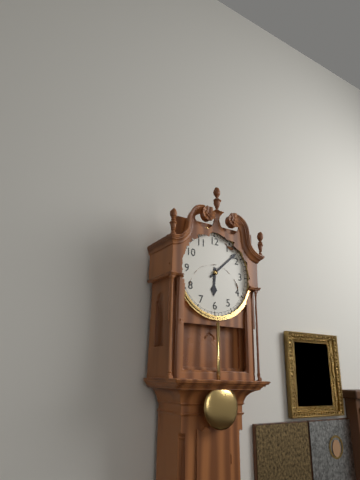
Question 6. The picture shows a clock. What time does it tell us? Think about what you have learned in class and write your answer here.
6:08
